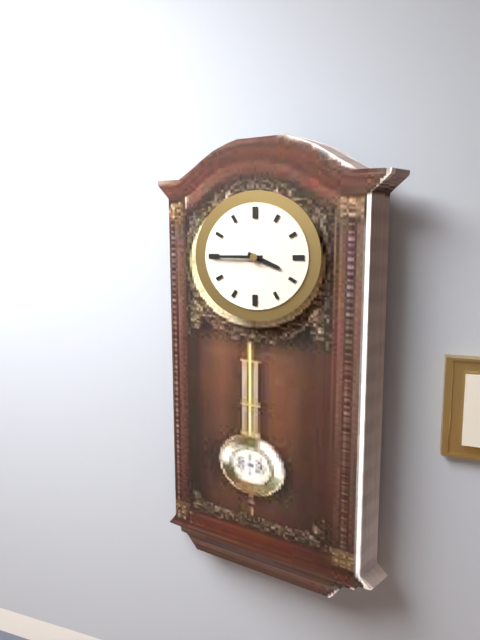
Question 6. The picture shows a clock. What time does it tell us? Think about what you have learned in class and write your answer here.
3:45
